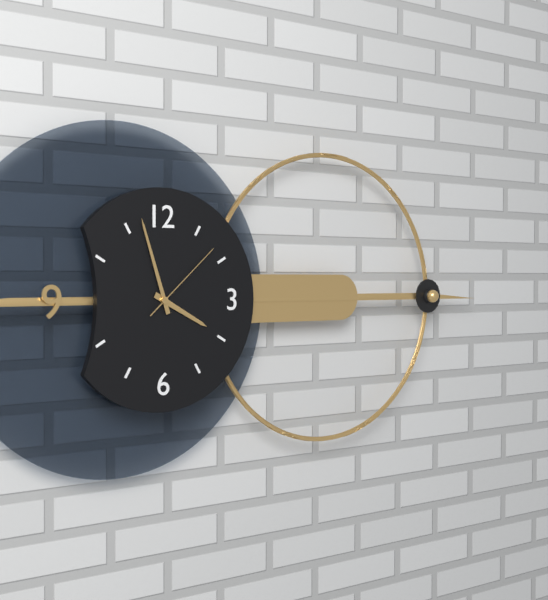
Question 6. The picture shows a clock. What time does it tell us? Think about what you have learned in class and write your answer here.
3:57:08
